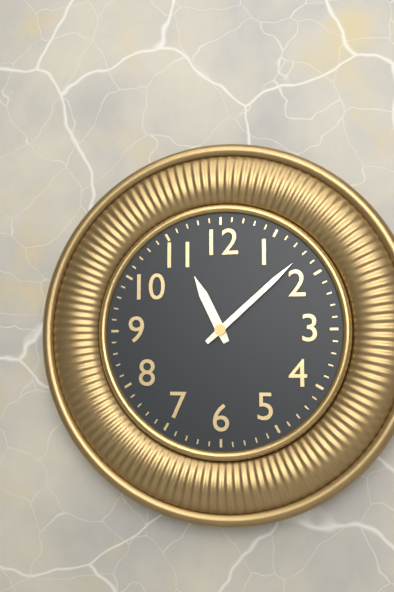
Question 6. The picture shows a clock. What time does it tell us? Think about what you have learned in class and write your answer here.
11:08
